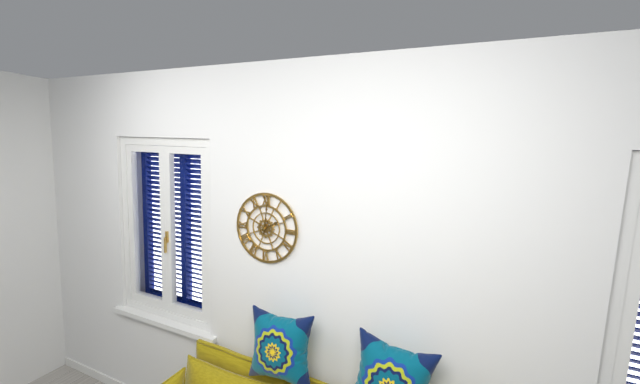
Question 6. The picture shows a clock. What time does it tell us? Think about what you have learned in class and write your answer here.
2:01
